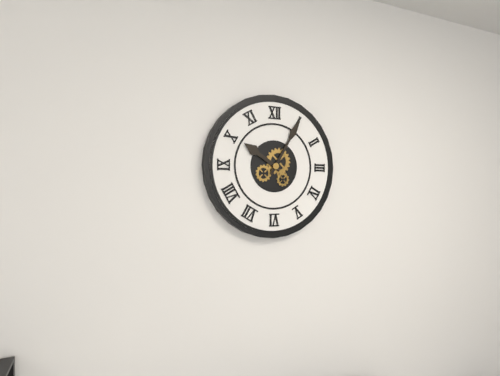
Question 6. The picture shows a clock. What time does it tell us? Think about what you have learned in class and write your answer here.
10:05
